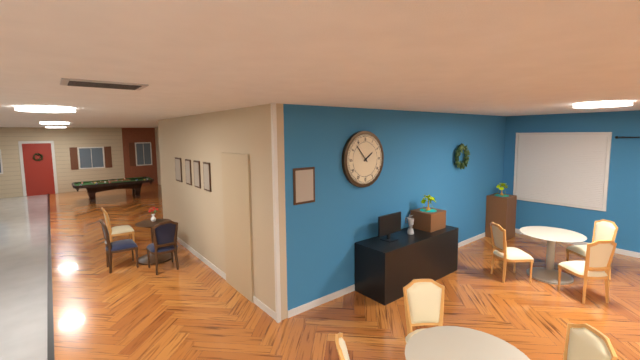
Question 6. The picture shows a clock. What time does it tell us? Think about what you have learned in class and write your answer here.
1:53
